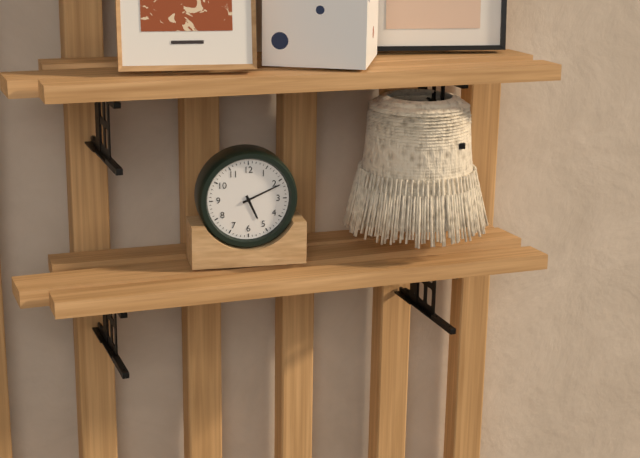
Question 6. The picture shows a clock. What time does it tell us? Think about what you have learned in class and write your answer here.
5:11
